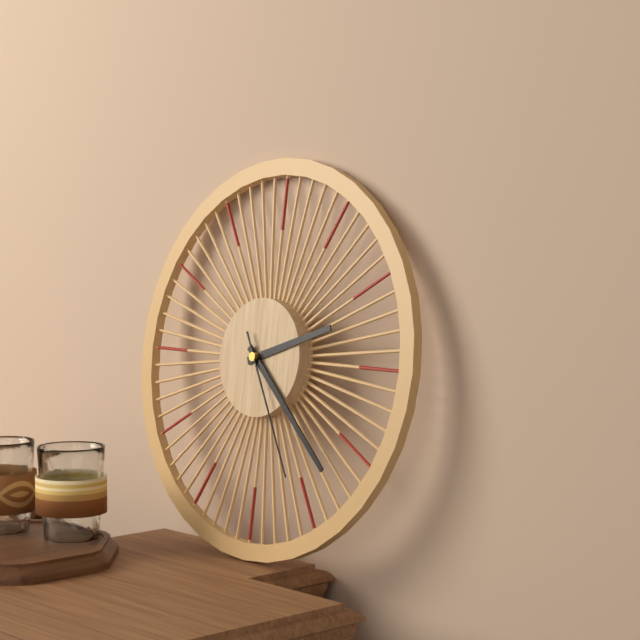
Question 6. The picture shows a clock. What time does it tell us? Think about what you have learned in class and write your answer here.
2:22:25
